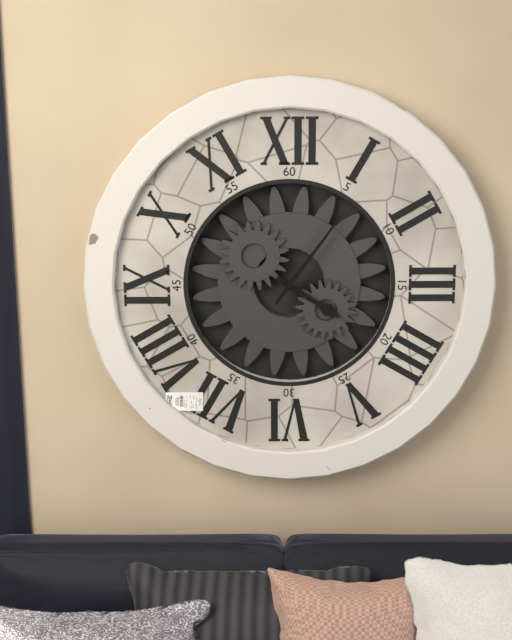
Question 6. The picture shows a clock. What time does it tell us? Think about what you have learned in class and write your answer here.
4:06
